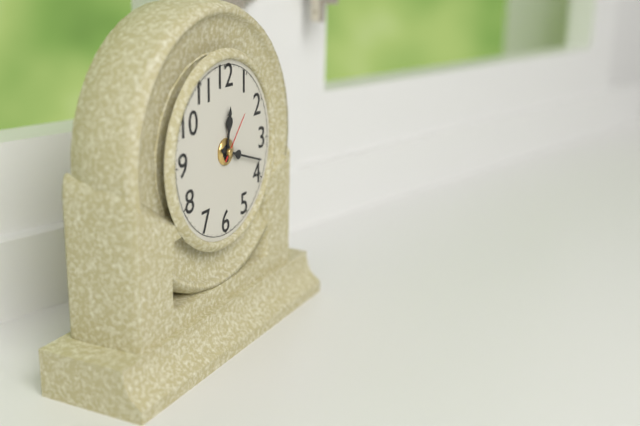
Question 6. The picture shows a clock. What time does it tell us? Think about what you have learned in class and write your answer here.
12:18:07
